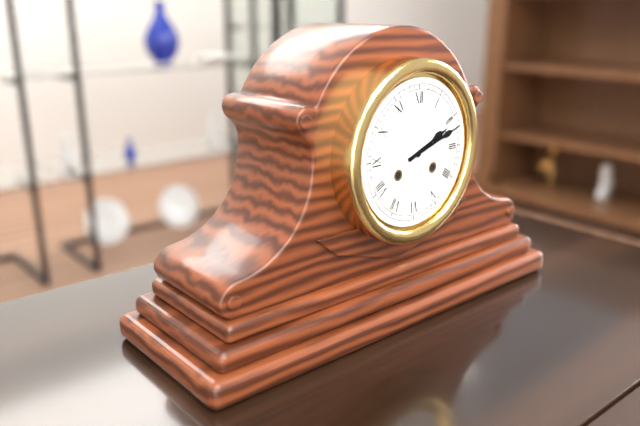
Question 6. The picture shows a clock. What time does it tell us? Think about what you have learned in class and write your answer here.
2:12
